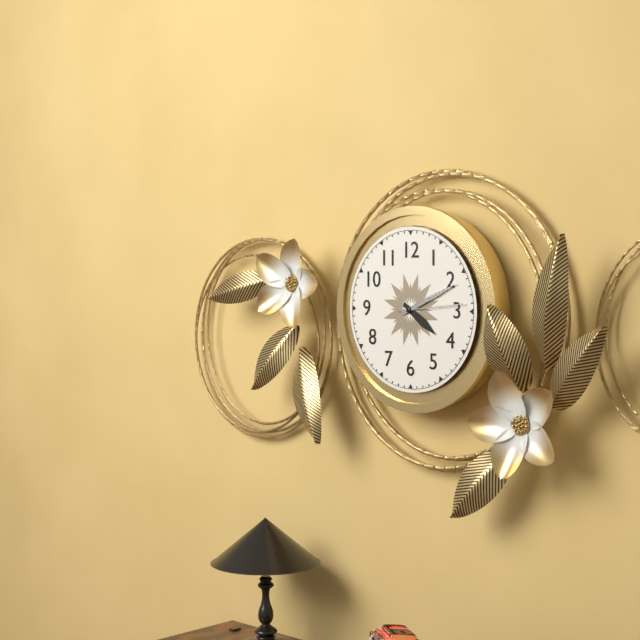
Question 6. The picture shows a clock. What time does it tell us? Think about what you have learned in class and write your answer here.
4:11:14
